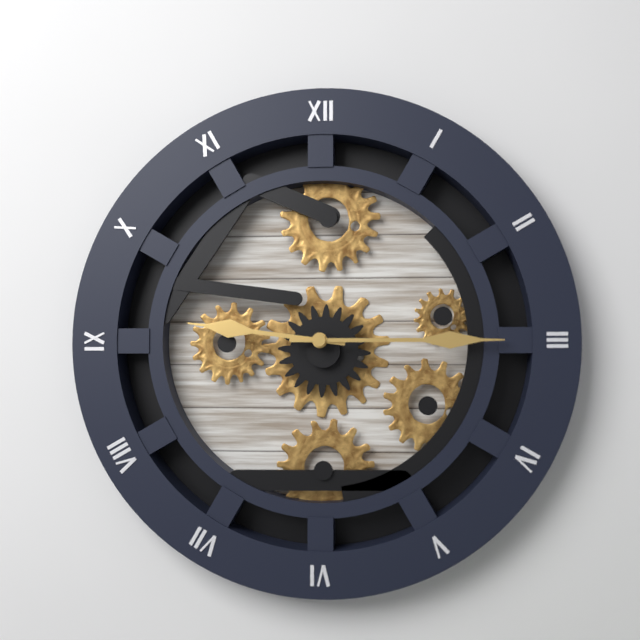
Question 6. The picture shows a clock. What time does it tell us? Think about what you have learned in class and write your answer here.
9:15
